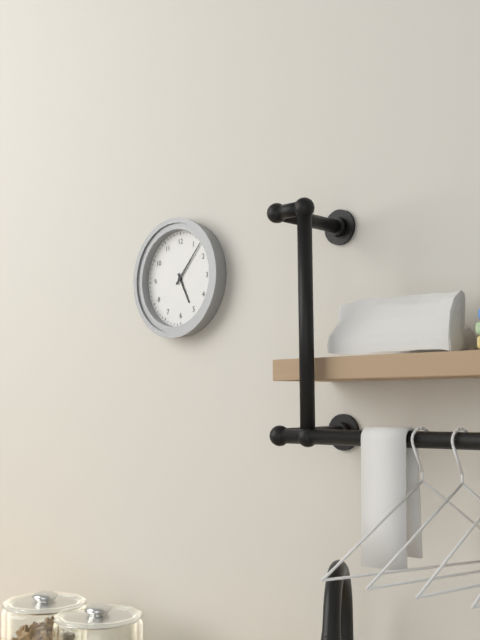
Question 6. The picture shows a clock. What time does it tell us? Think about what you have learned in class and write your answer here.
5:07
